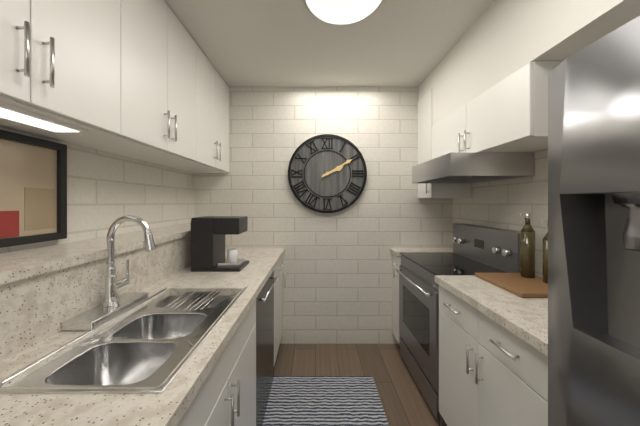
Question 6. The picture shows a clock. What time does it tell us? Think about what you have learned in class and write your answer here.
2:10
